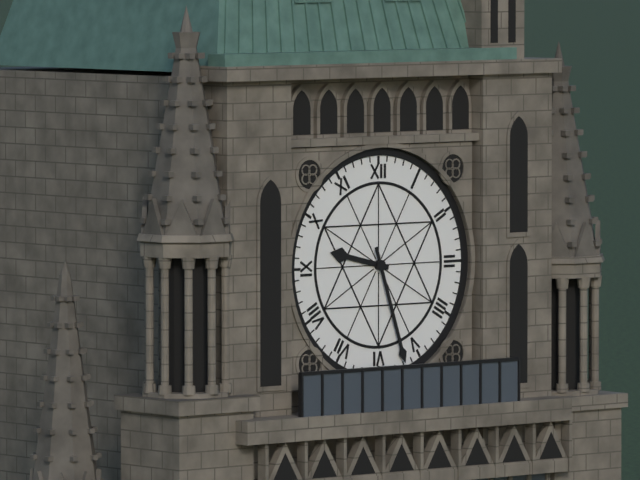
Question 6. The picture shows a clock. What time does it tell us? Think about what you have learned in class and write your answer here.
9:27
